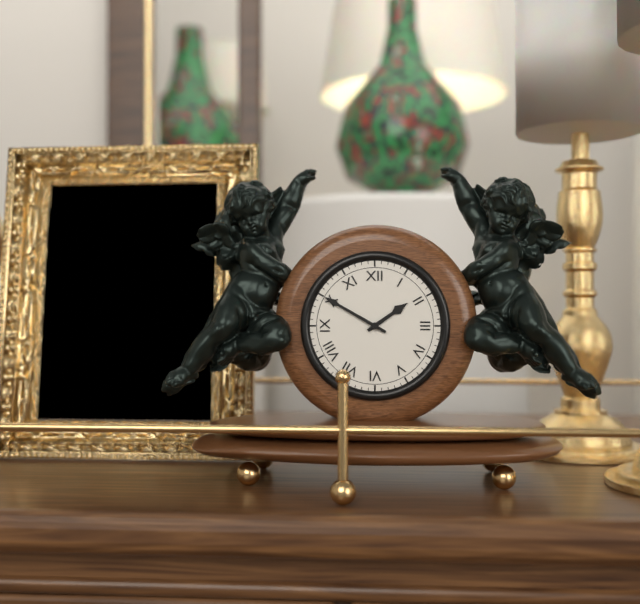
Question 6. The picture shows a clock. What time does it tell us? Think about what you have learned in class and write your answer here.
1:50
